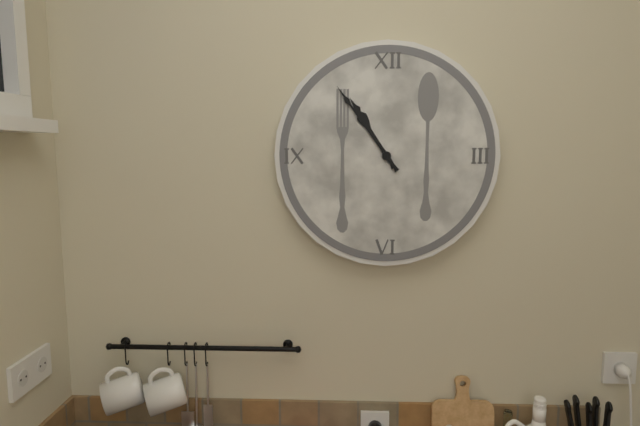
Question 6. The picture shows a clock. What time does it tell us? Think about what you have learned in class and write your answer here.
10:54
